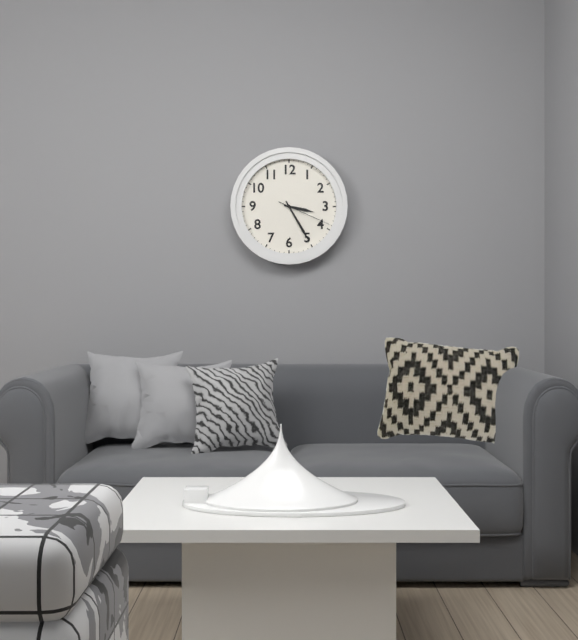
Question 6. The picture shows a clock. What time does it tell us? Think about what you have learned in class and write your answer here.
3:25:19
